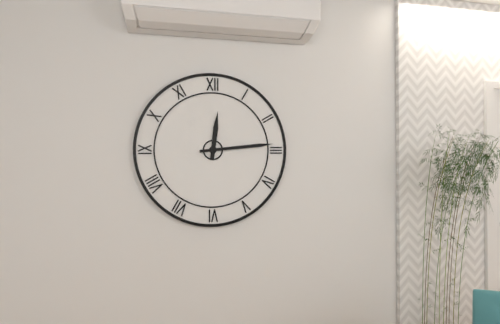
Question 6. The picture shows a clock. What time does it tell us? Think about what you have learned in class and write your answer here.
12:14
